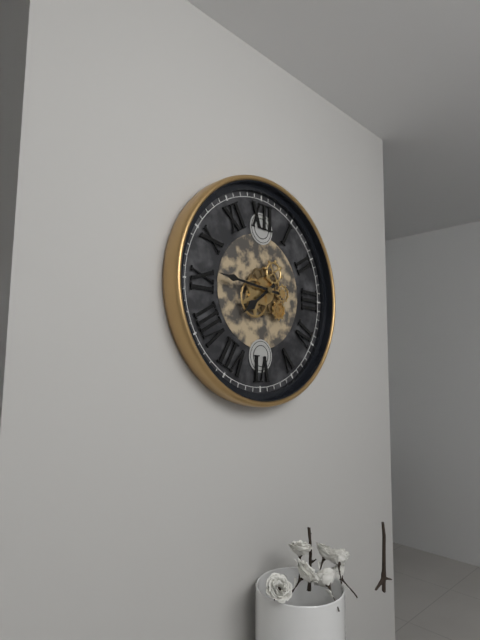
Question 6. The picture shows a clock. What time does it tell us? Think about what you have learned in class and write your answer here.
7:46
